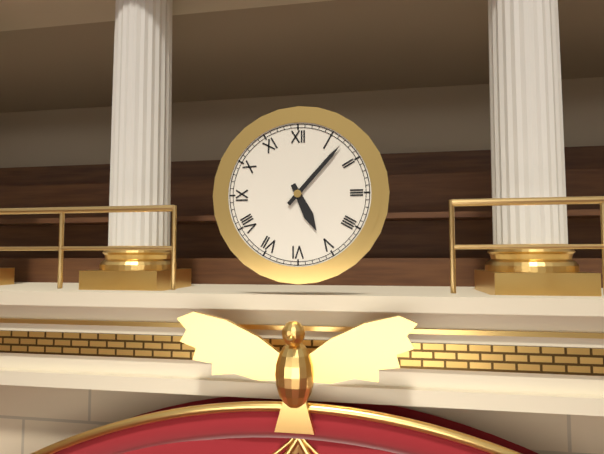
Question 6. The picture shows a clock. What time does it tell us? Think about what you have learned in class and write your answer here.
5:07
